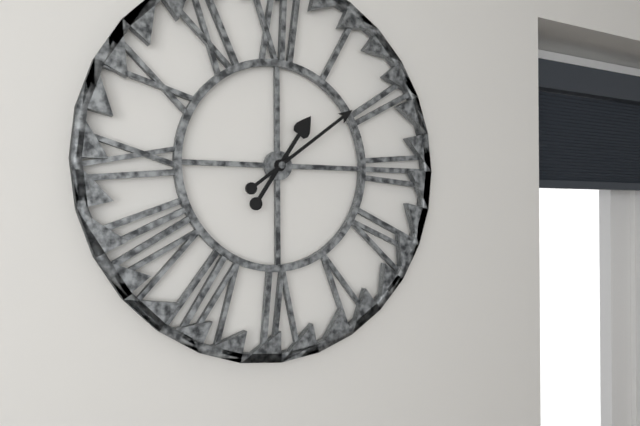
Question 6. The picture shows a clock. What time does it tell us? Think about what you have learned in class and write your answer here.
1:09
